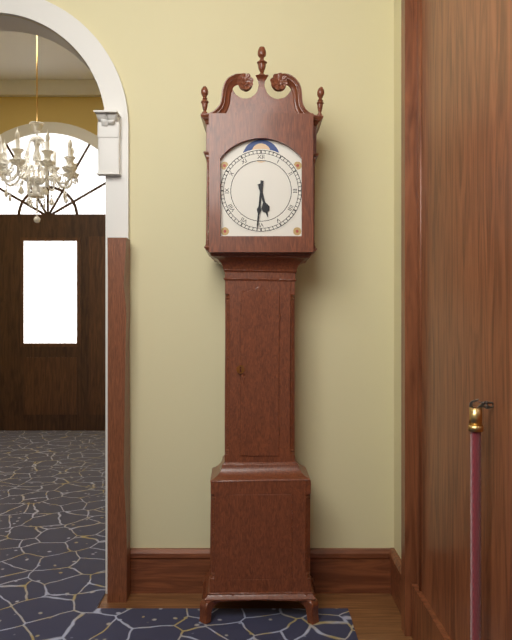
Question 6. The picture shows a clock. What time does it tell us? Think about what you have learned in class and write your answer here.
5:31
